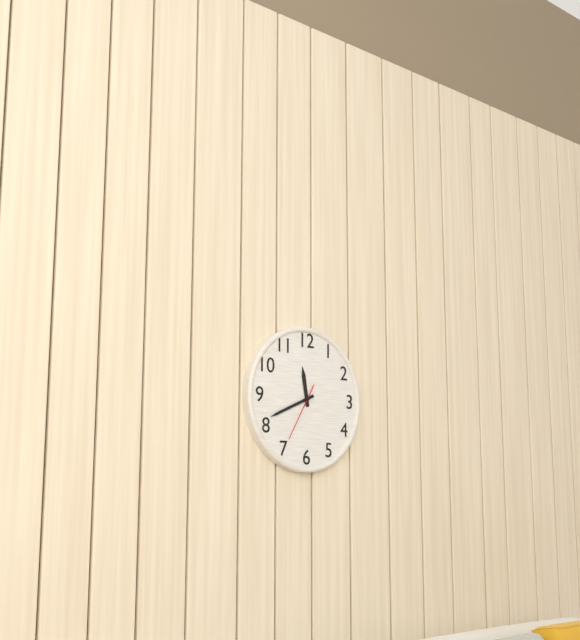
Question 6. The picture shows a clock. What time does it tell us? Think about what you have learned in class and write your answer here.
11:41:35
